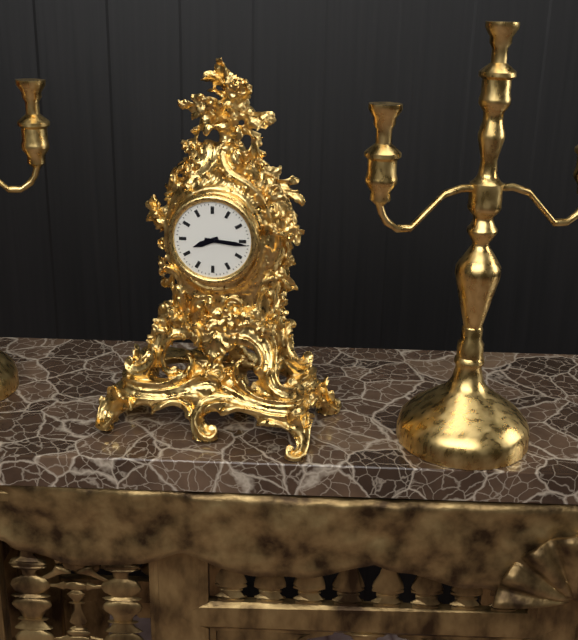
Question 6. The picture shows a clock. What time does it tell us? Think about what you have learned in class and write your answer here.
8:16
